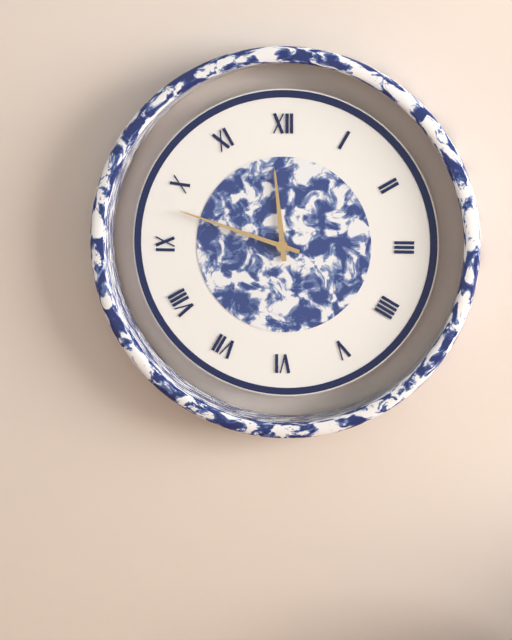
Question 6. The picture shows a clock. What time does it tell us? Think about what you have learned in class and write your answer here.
11:48
